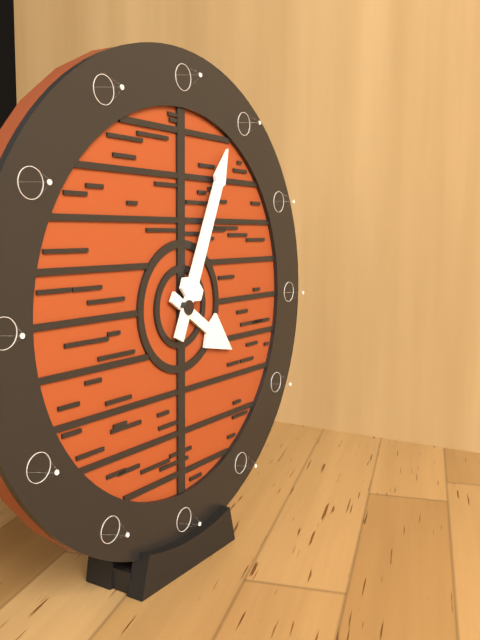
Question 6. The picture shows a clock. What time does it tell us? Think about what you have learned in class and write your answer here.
4:04
